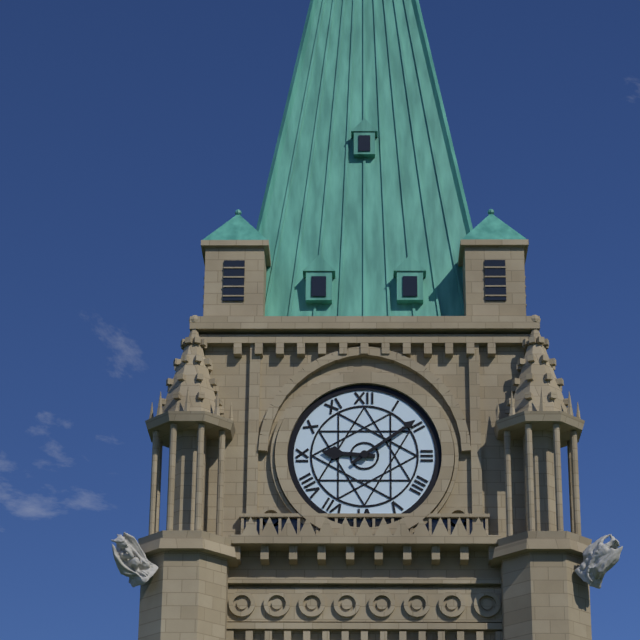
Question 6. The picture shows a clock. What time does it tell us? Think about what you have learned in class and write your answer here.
9:09
